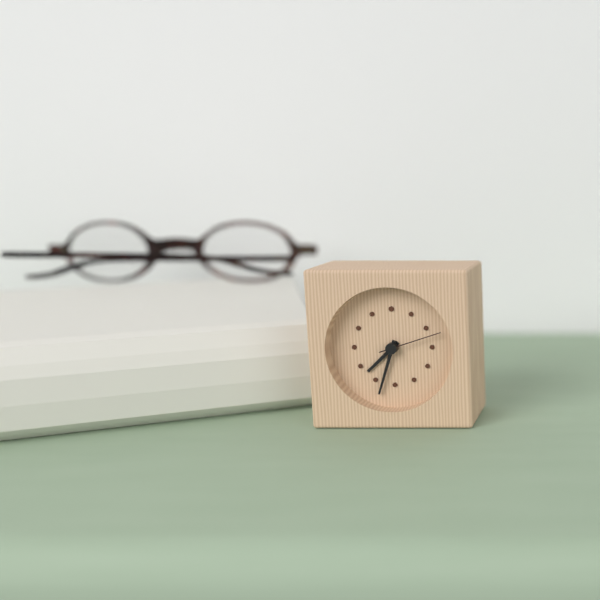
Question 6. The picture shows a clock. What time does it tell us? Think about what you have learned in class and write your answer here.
7:33:12
